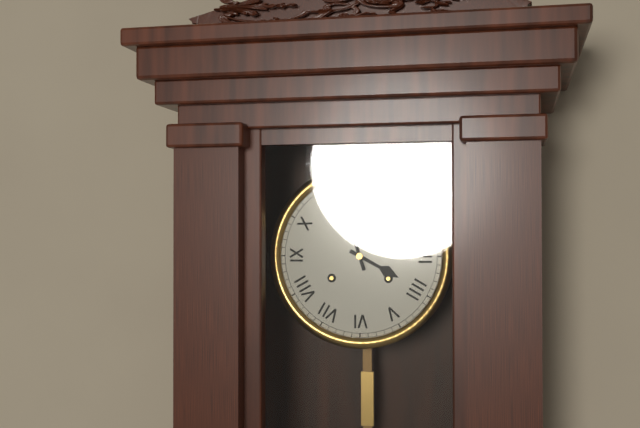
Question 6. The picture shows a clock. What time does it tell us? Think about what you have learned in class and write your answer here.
3:57
